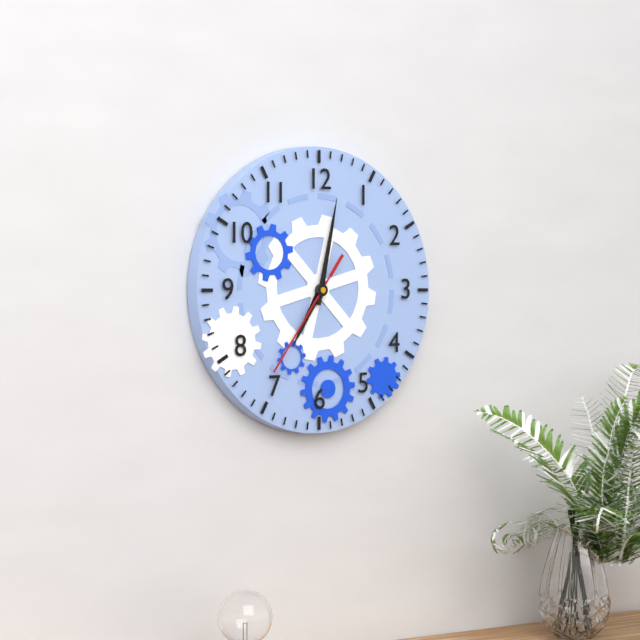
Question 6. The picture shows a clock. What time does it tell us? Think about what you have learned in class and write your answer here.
7:02:36
